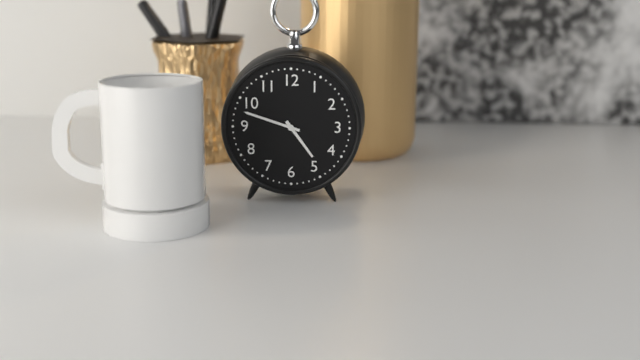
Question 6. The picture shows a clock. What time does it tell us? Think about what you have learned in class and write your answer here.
4:48
